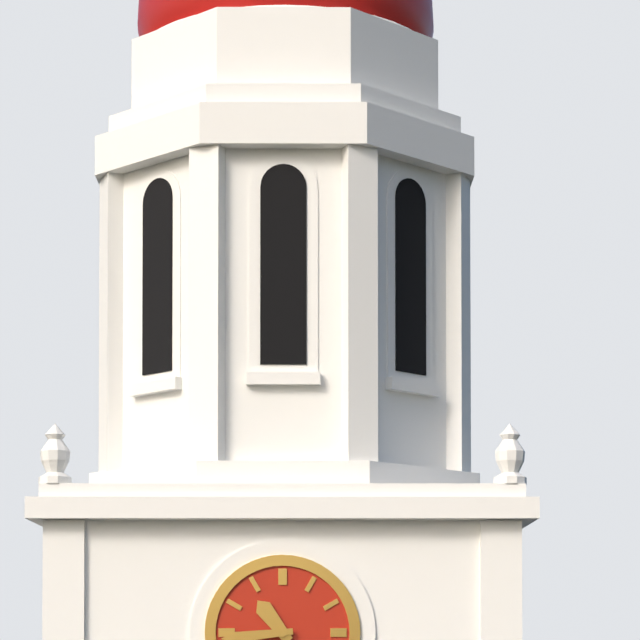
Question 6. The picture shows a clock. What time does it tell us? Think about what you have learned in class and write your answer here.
10:44
